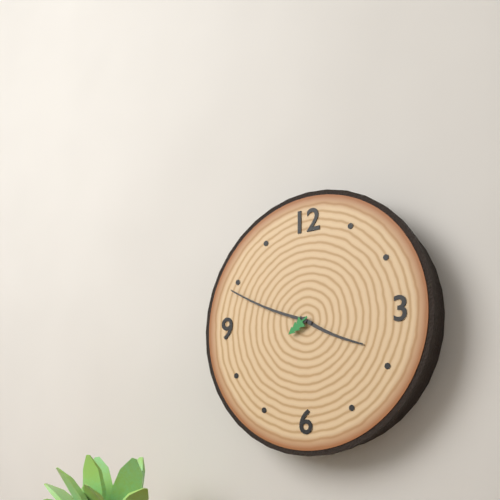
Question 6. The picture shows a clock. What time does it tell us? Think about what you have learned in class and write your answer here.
3:49
